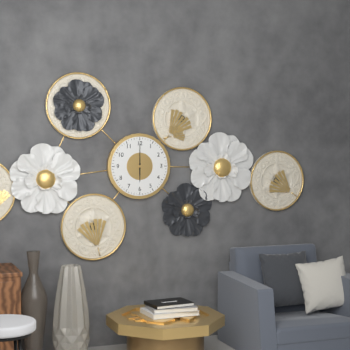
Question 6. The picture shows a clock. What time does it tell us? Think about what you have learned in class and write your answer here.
6:00
